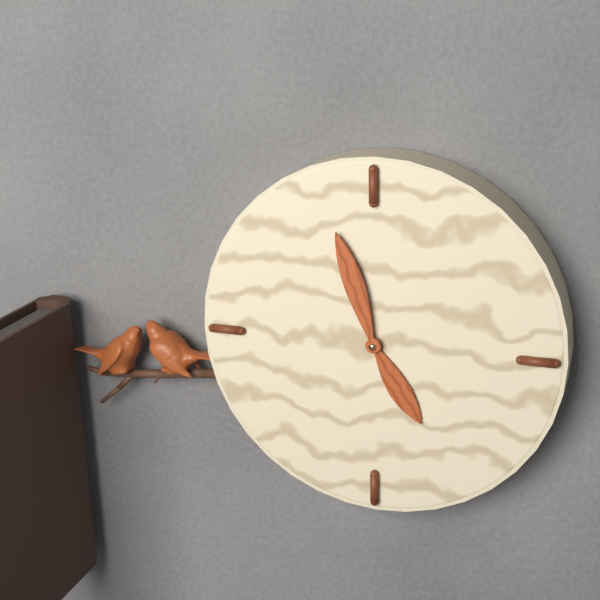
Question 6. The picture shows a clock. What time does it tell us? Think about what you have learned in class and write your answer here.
4:57
